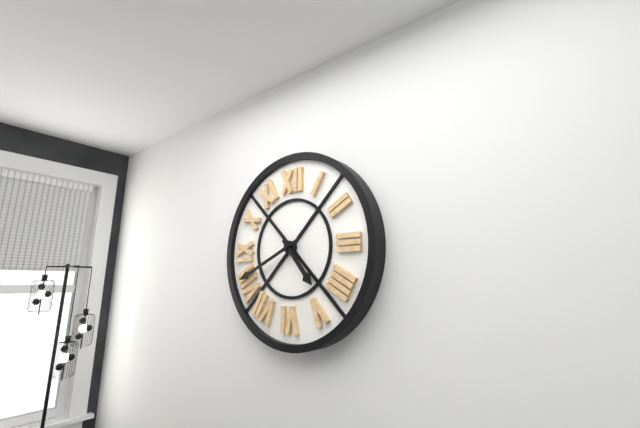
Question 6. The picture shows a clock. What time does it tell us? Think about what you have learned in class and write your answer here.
4:41
